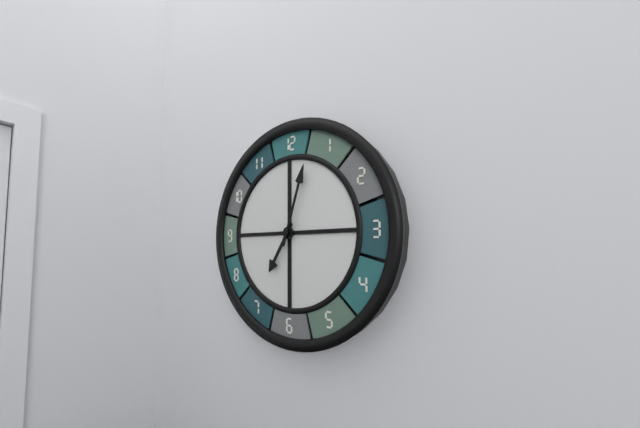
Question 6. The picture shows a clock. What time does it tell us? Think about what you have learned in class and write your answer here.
7:03
